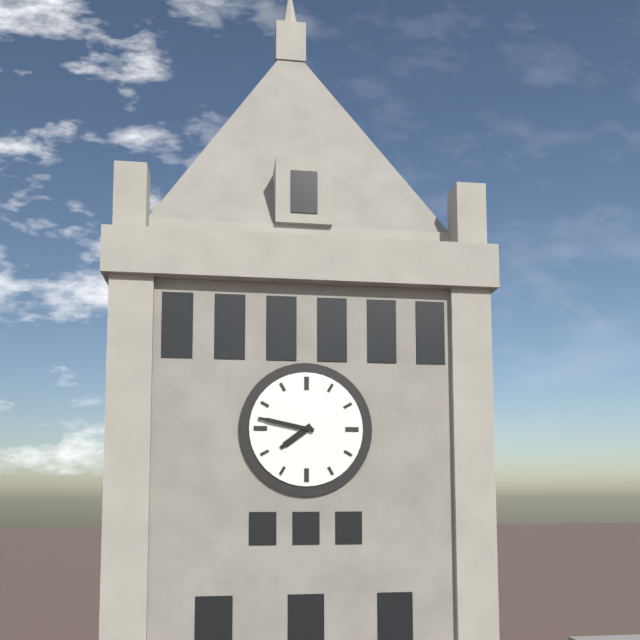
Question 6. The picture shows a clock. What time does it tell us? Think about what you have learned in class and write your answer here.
7:47
